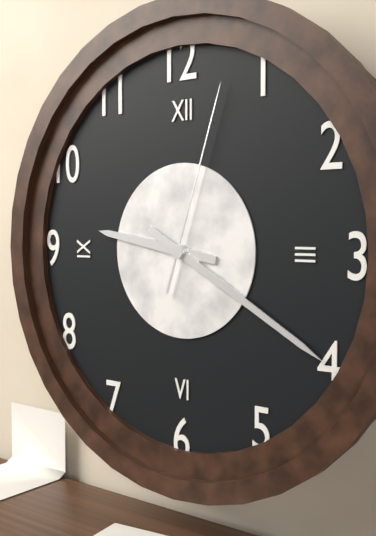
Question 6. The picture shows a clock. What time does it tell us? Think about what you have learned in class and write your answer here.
9:20:03
